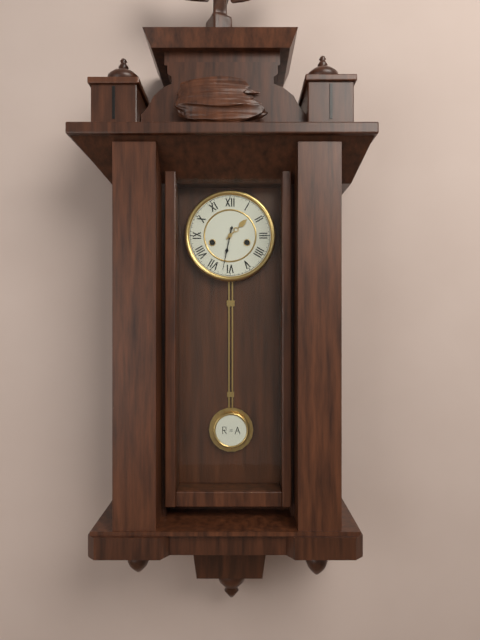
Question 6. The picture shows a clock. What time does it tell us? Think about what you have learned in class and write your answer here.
1:32
